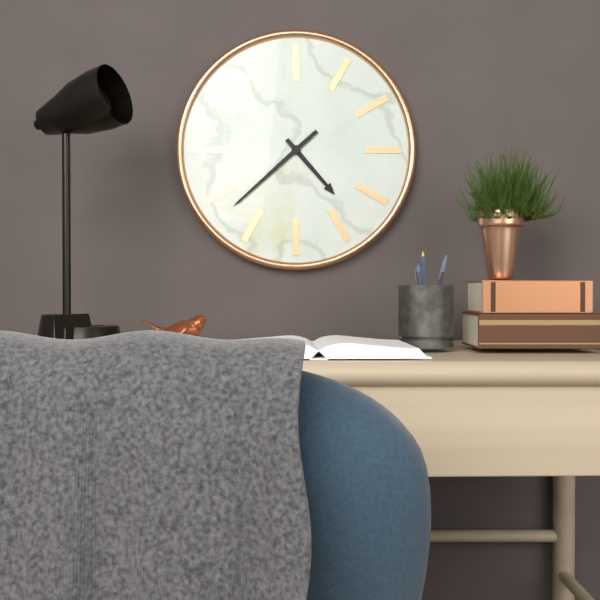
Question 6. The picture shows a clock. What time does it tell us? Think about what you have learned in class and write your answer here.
4:38
